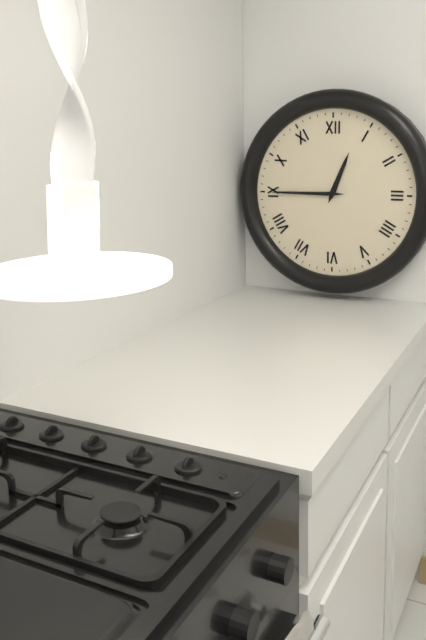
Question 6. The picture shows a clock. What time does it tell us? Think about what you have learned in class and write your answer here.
12:45
